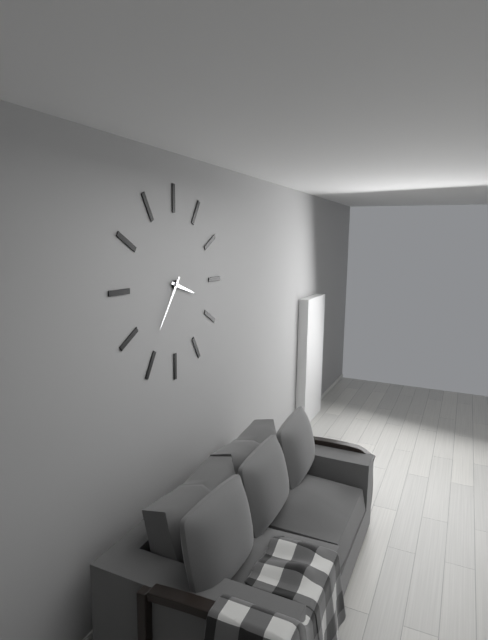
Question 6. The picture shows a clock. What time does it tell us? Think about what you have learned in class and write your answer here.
3:36
